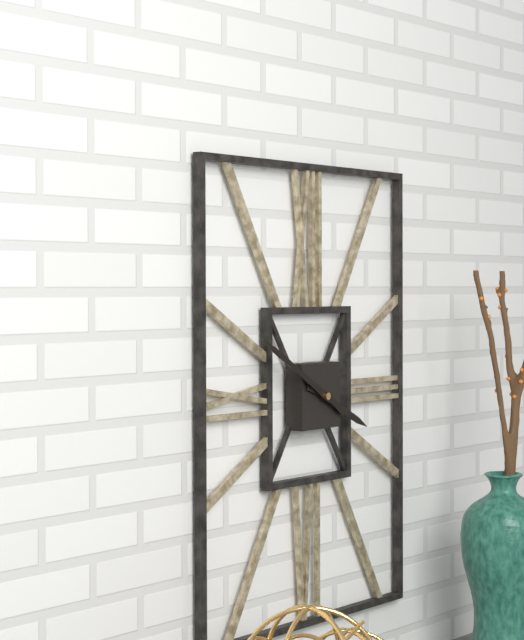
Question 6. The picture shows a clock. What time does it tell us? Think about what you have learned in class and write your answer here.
3:50
